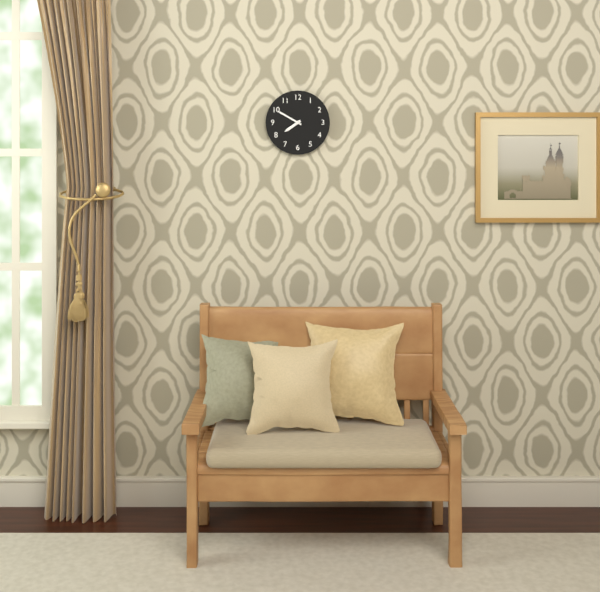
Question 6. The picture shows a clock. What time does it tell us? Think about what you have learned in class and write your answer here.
7:50
